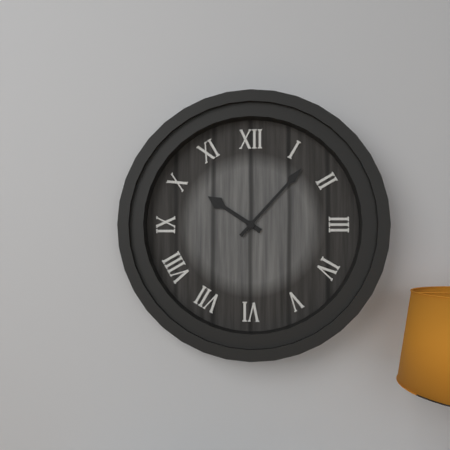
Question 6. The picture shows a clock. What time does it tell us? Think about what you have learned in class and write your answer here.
10:07
